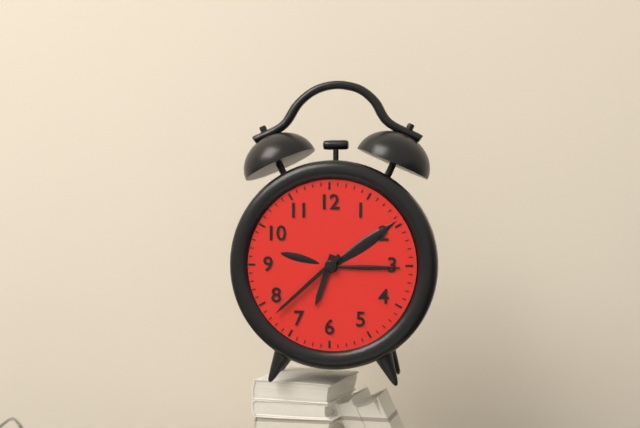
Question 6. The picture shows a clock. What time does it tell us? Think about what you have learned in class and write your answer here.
6:38
